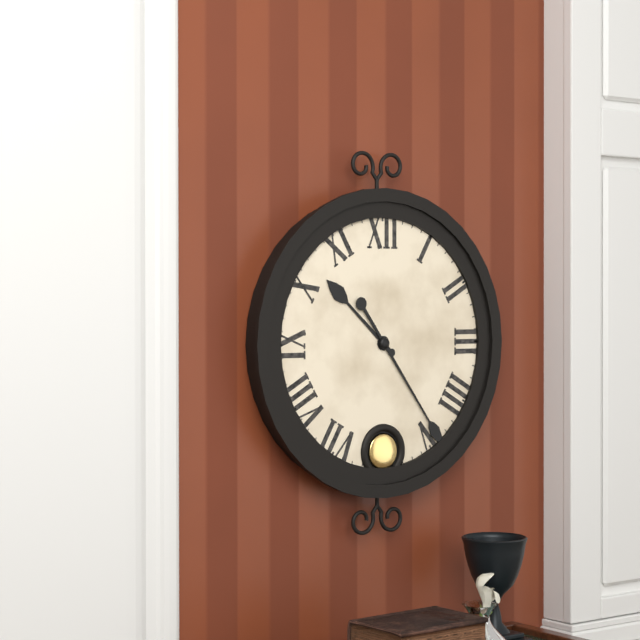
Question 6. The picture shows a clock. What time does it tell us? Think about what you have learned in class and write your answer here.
10:24
